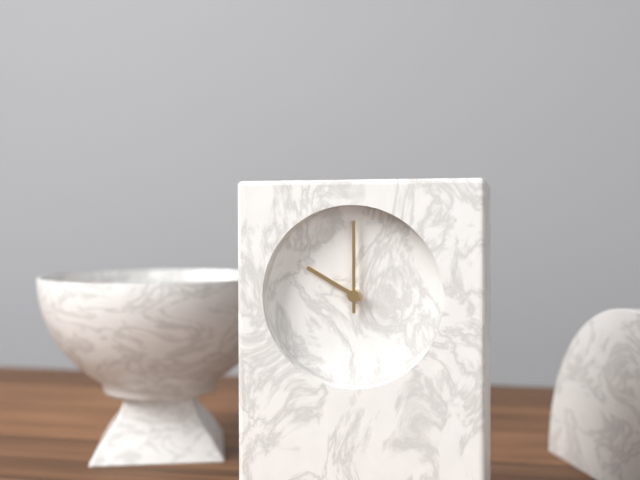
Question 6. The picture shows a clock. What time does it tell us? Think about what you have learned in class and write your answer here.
10:00
